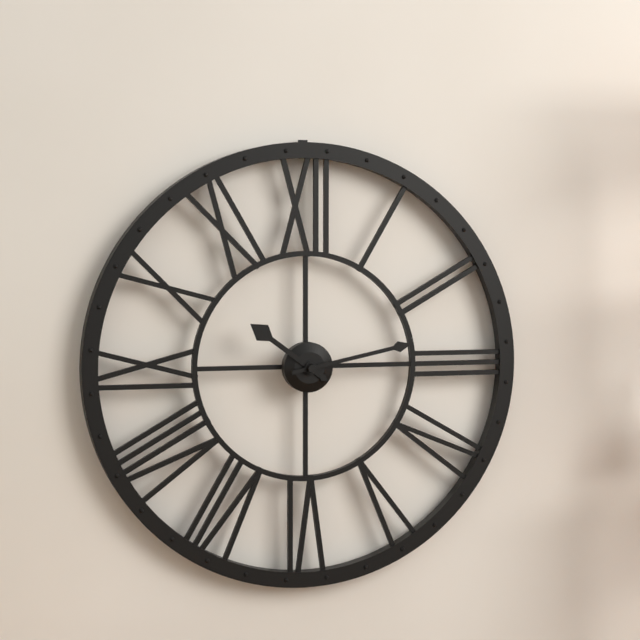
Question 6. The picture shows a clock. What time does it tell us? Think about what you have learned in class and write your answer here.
10:13
